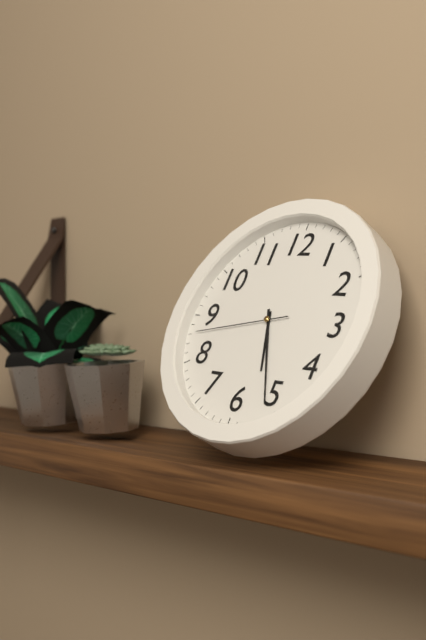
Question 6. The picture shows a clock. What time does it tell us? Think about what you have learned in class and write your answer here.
5:26:43
